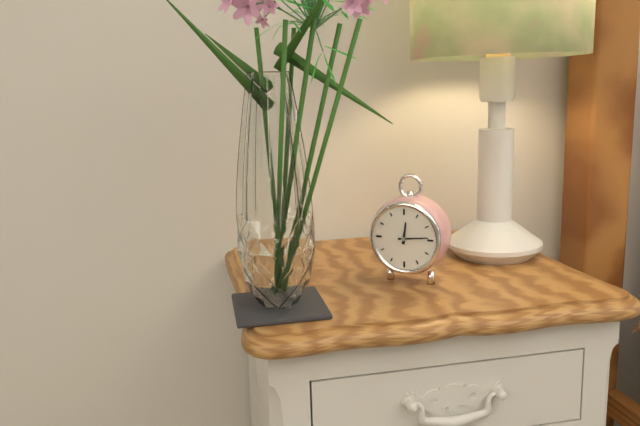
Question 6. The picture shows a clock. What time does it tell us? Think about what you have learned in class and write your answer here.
12:14
